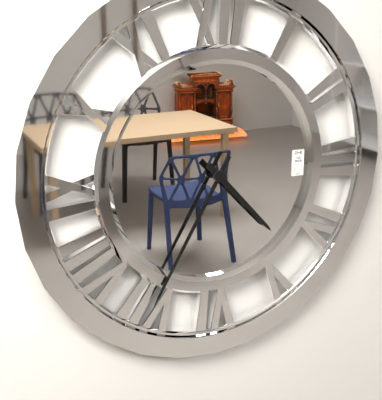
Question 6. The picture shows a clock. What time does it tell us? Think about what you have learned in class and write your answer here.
4:35
